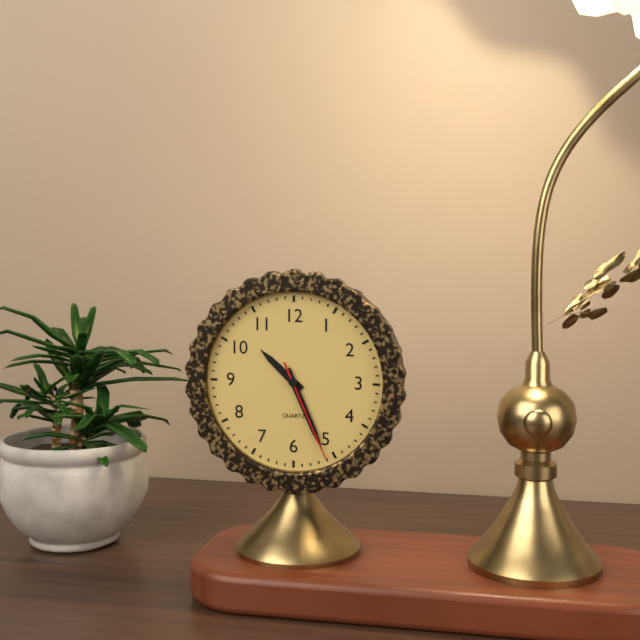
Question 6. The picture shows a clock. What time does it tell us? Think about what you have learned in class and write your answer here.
10:26:26
